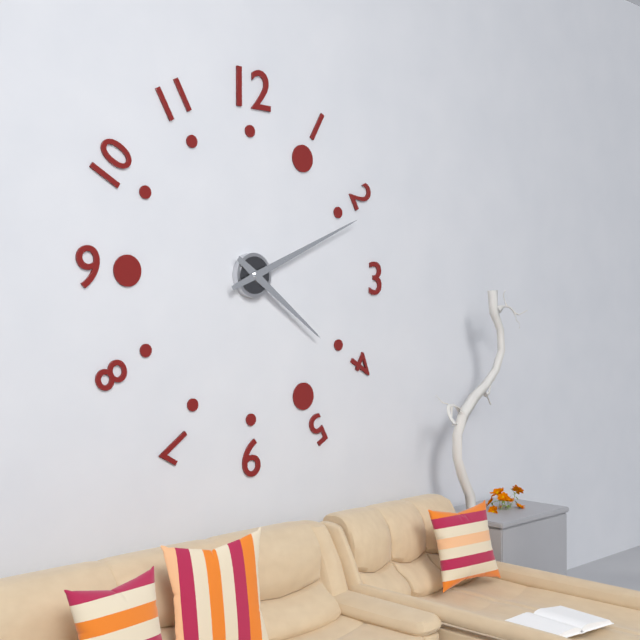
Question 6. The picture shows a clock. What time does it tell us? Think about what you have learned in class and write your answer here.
4:11
